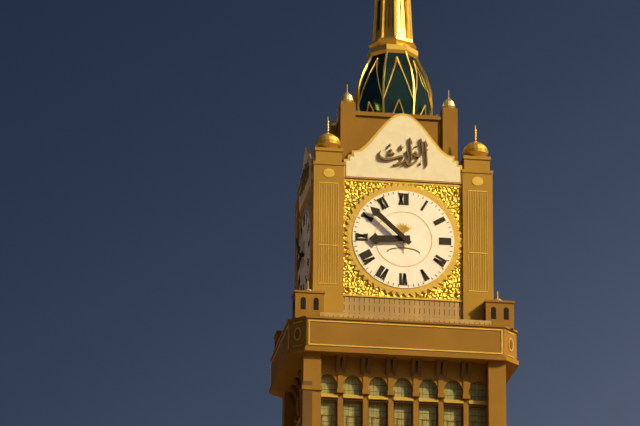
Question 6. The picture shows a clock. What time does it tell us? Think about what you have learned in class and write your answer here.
8:52
